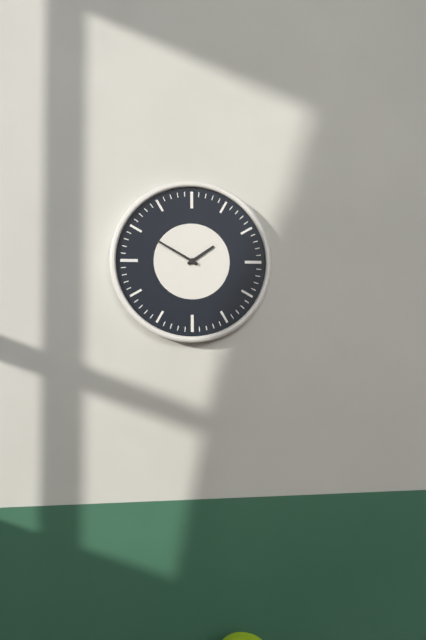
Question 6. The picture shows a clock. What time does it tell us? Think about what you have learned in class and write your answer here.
1:50
